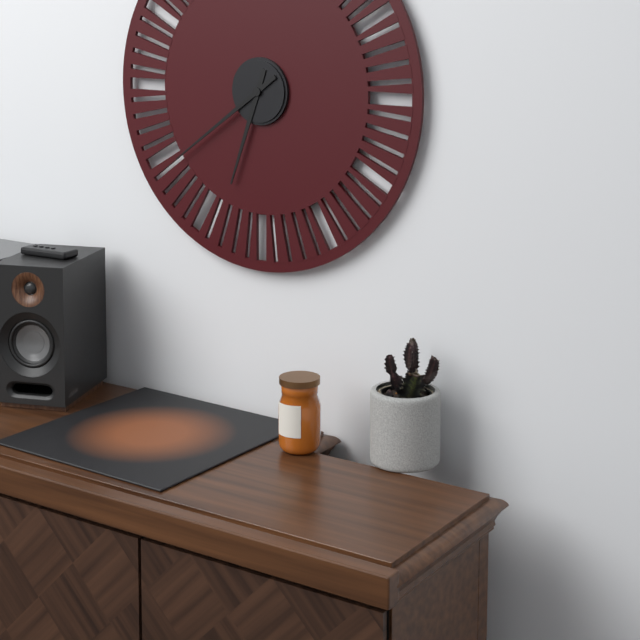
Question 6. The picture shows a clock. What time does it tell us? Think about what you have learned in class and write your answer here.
6:39
